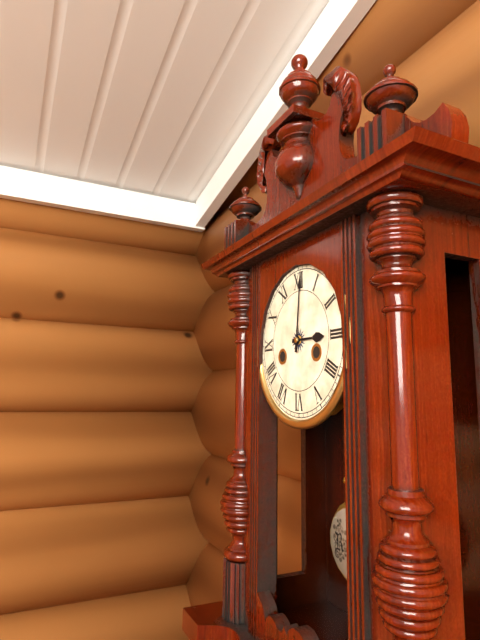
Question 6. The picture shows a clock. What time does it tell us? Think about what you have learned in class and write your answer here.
3:01
